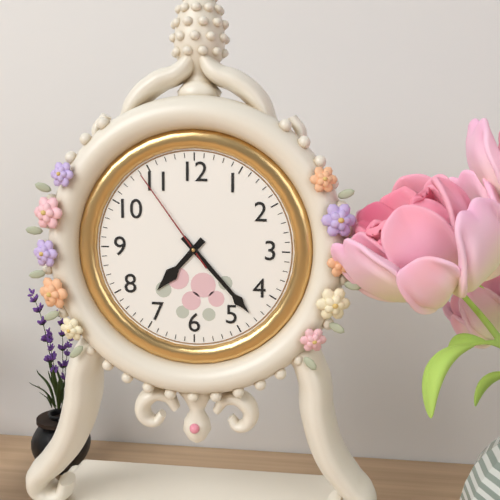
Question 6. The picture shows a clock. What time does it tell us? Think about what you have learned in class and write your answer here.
7:23:54
